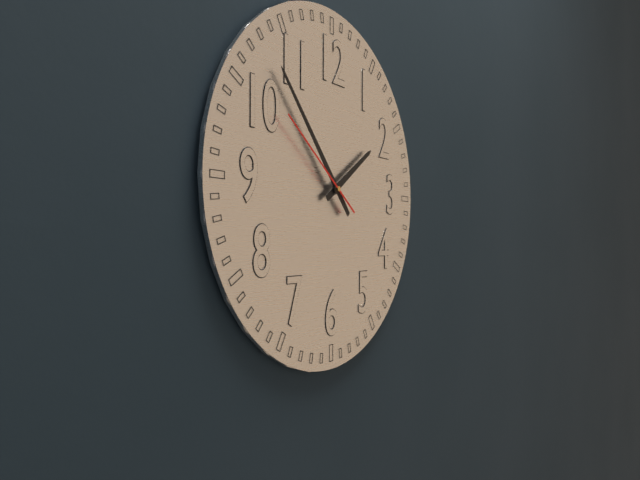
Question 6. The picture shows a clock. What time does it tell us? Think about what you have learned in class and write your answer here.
1:53:51
